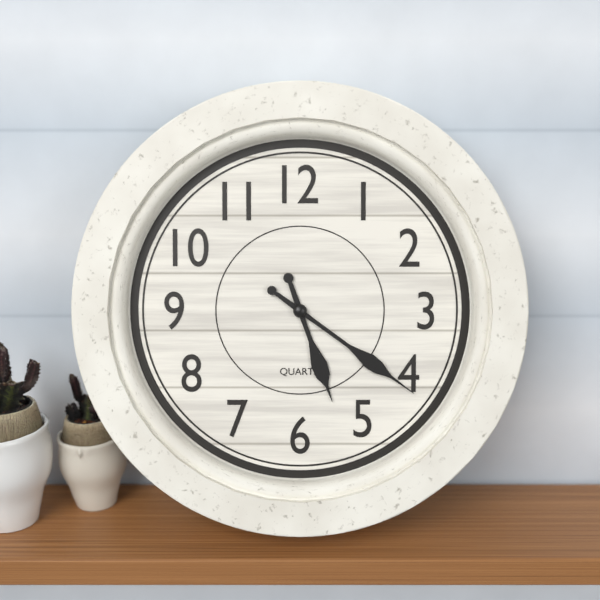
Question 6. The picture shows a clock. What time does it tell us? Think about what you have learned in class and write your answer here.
5:21
